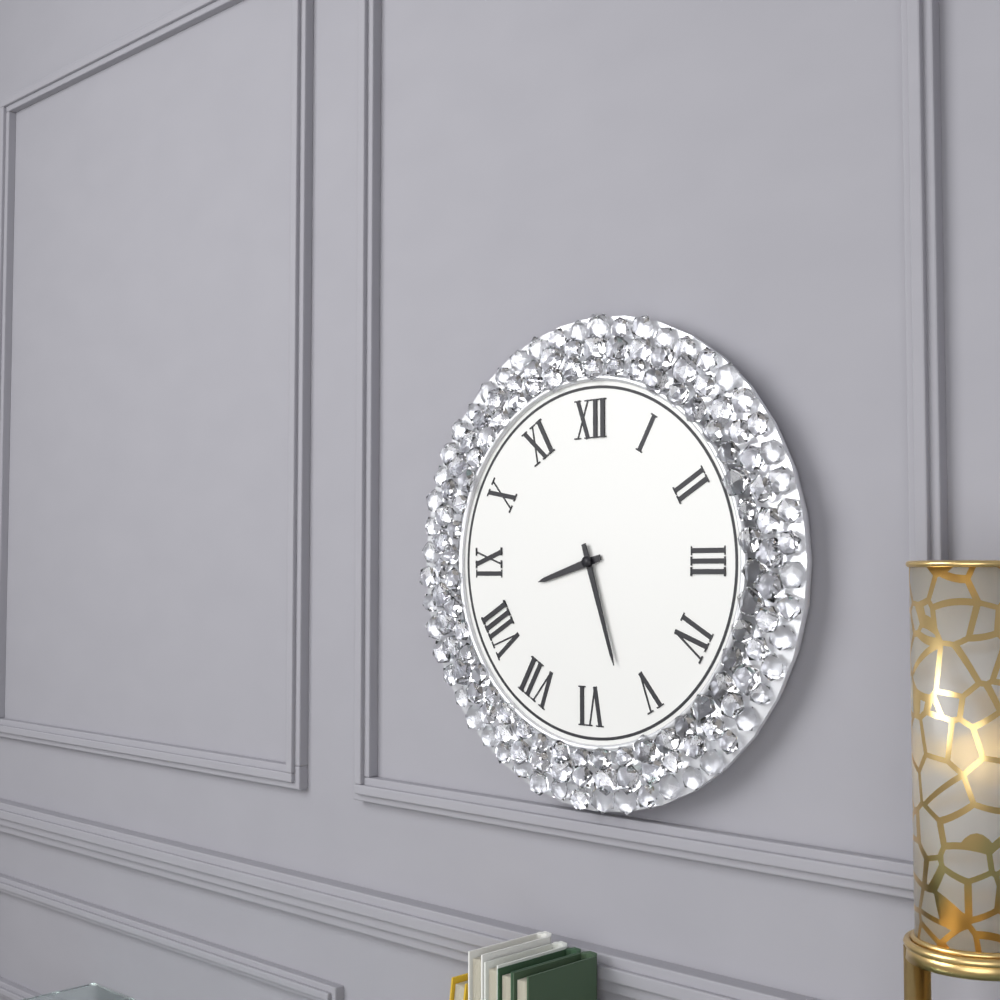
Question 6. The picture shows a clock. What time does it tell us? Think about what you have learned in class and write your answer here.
8:27
